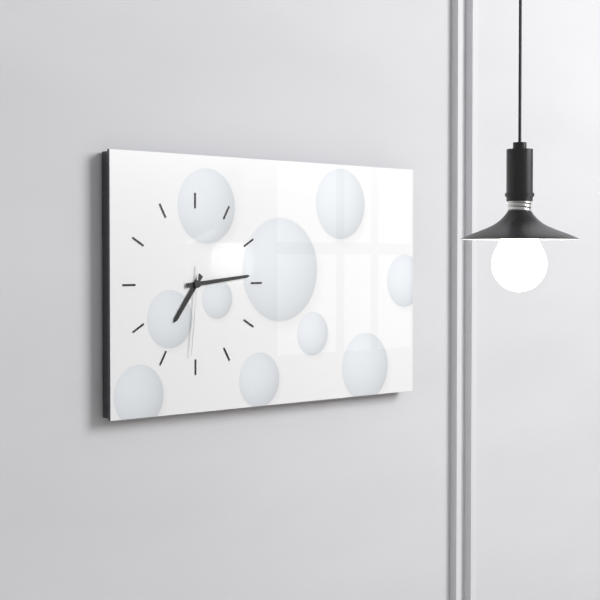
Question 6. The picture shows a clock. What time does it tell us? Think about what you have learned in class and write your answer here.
7:14:31
